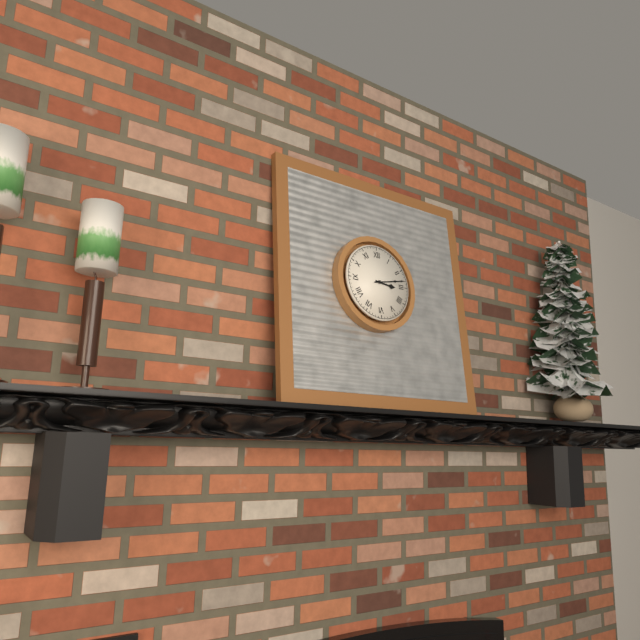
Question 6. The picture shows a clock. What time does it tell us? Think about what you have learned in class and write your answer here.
3:13
